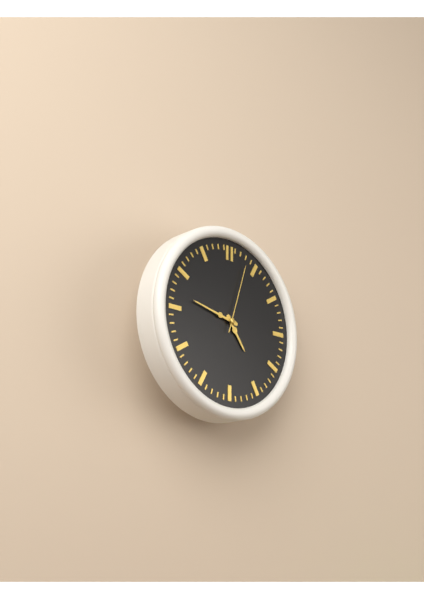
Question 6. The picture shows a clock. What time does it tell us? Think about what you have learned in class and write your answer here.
4:47:03
